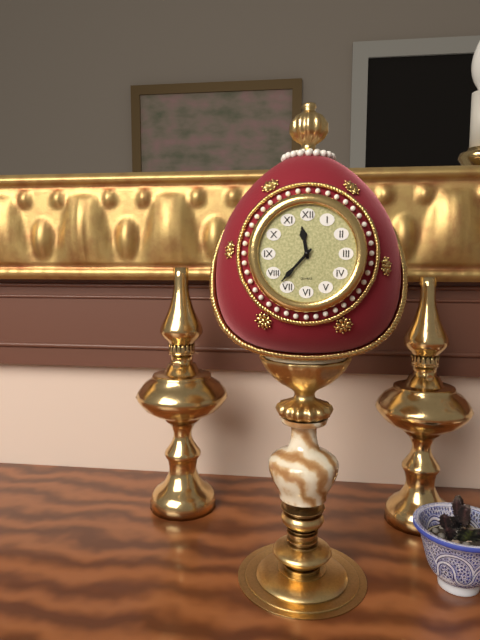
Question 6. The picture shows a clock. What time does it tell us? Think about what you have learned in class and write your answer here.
11:37
